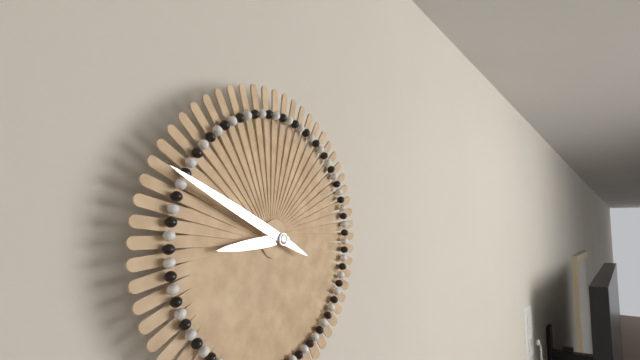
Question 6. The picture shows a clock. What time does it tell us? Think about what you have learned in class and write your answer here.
8:49
